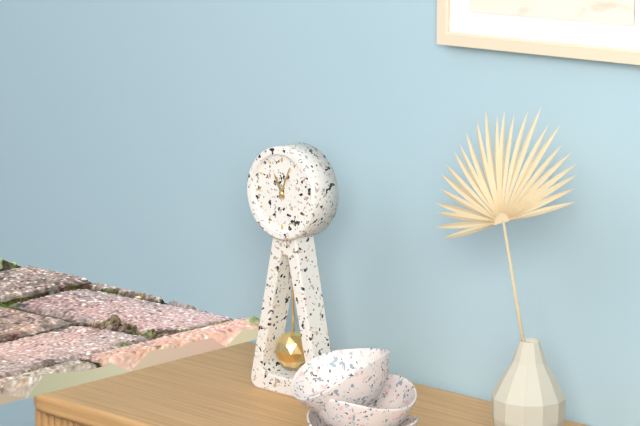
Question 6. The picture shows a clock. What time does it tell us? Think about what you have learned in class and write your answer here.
11:04
